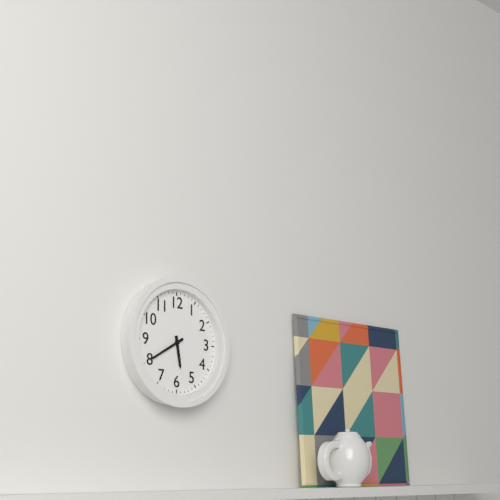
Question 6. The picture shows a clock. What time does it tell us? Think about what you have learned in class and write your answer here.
5:40
